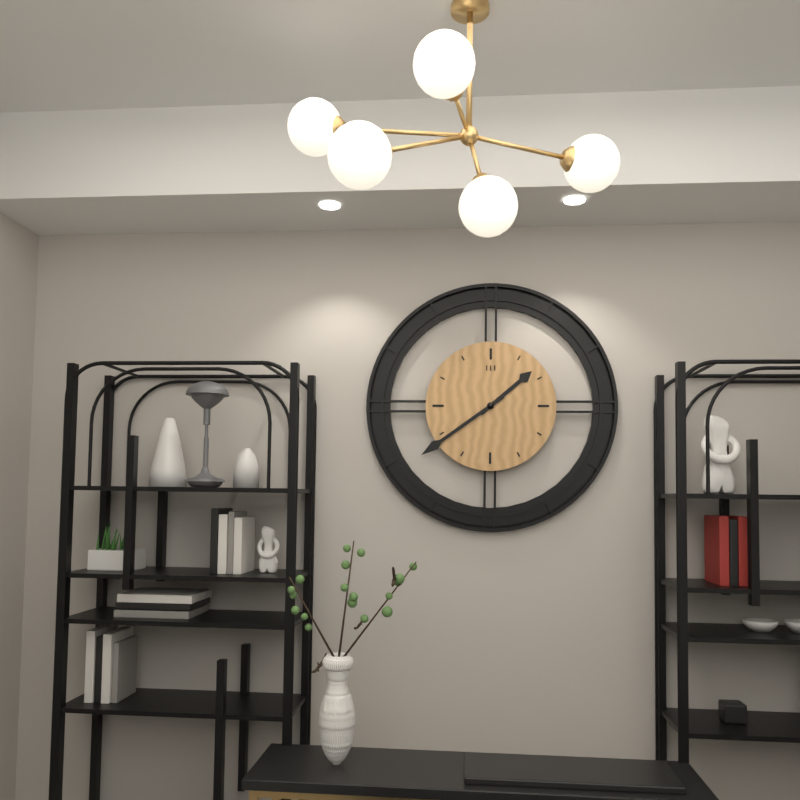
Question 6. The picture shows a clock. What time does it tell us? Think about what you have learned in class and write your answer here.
1:39
